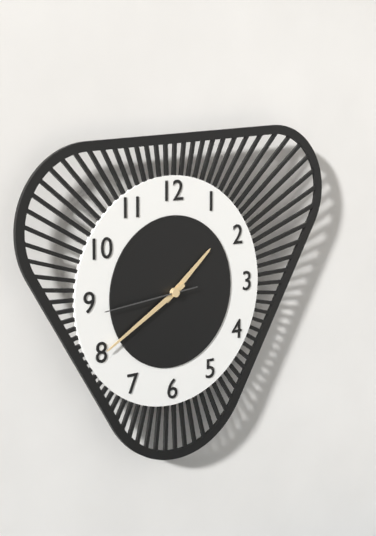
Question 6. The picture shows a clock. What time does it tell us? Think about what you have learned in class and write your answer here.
1:40:44
